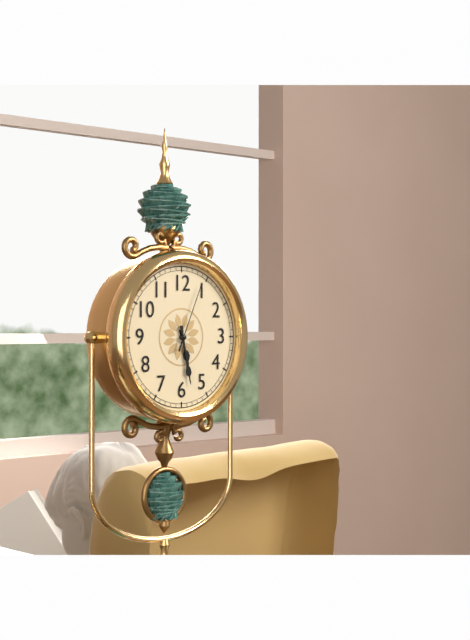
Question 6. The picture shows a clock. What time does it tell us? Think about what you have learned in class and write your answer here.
5:28:04
